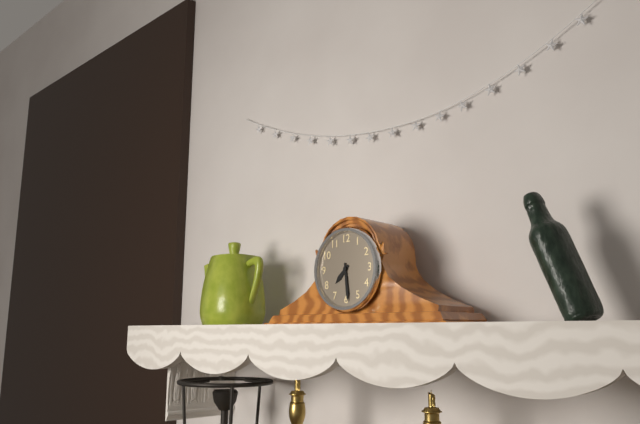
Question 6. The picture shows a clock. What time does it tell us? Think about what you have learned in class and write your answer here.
7:29
